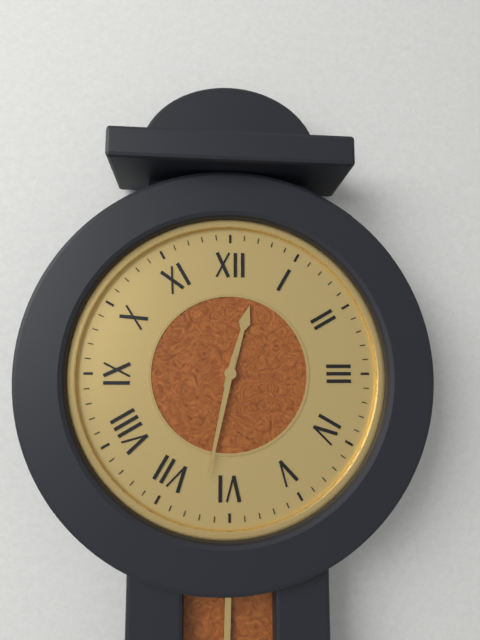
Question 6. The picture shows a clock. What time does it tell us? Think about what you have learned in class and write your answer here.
12:32
